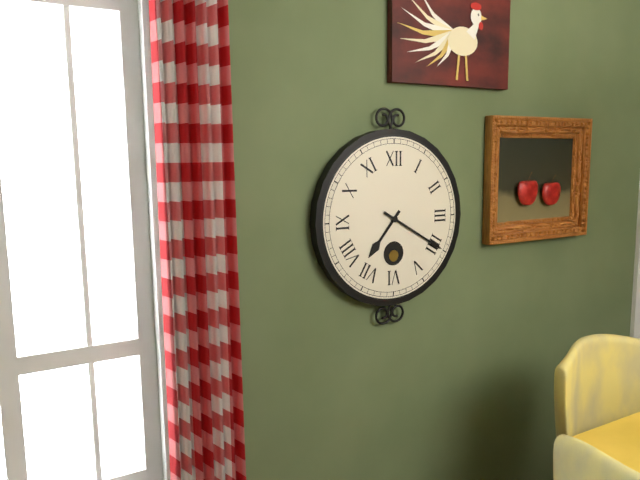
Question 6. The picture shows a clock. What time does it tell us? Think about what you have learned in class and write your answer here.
7:20
